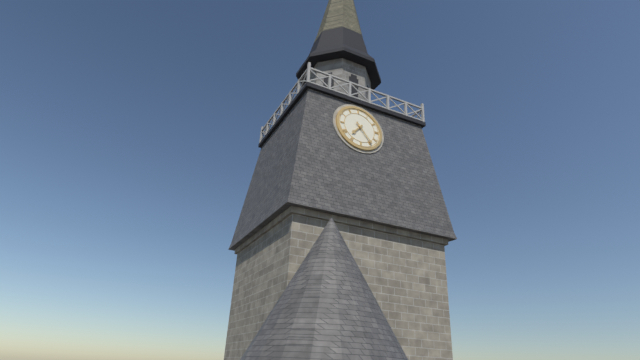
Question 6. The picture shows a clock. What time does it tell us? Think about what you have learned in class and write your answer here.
7:24
